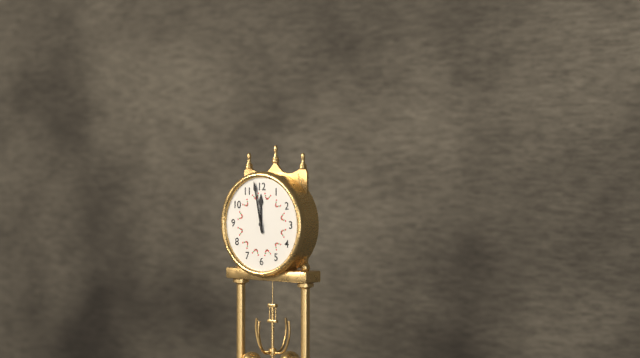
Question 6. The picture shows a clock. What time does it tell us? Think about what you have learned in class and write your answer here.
11:58
